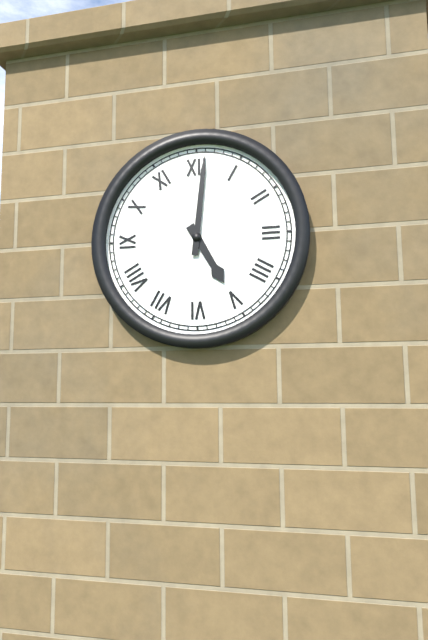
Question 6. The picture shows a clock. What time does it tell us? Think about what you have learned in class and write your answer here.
5:01
